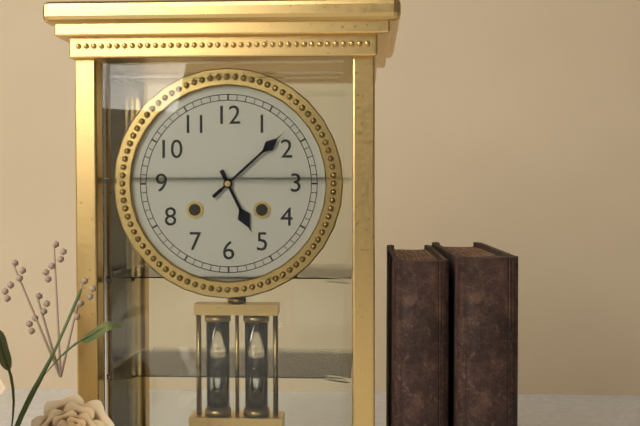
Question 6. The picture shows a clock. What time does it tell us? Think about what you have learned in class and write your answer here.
5:08
